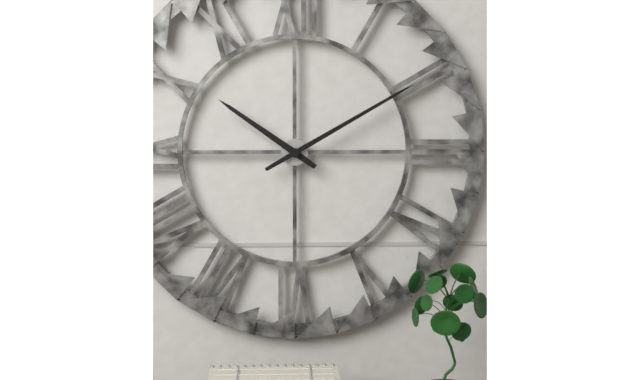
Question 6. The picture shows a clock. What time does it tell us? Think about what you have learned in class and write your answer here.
10:10
